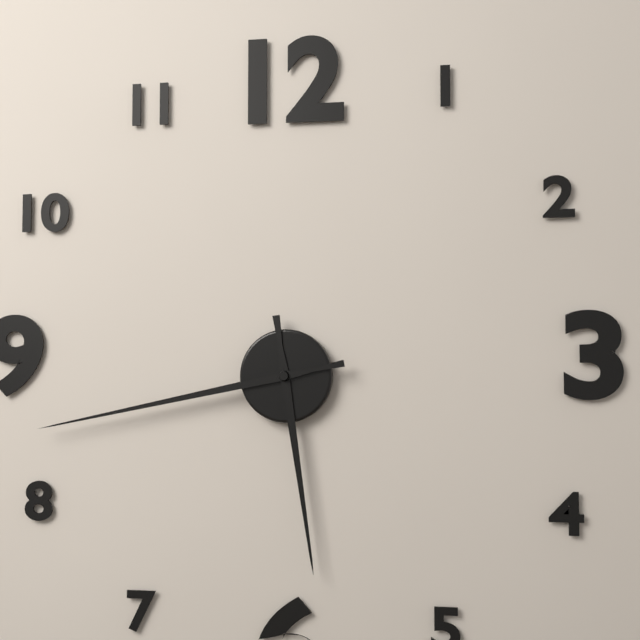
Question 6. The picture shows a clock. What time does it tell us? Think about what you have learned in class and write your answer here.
5:43
